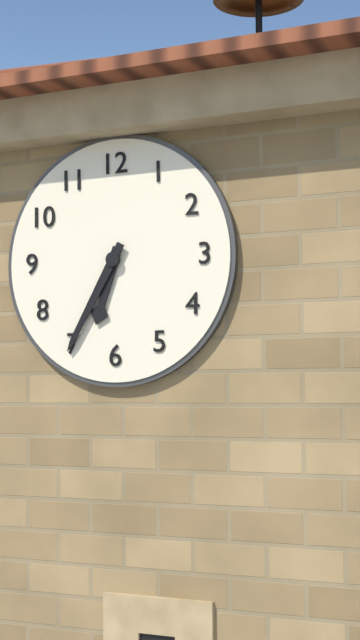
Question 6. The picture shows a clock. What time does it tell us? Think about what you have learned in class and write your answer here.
6:35
